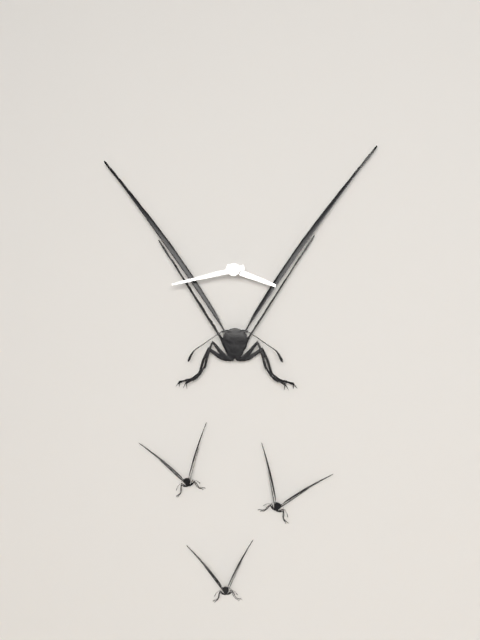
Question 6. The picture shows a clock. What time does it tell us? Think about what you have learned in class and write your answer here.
3:43
